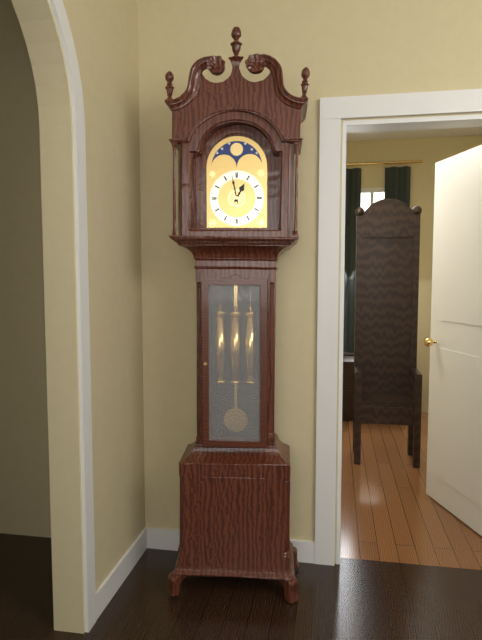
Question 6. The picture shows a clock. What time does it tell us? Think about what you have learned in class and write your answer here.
12:58
